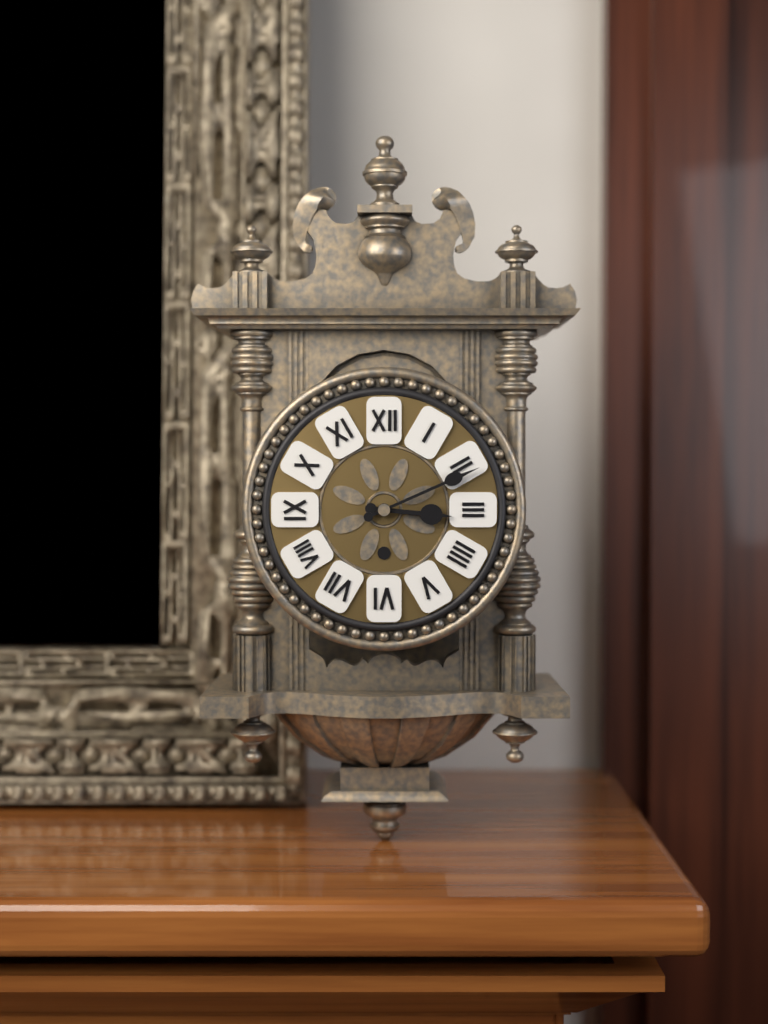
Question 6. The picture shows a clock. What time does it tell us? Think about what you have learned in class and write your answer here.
3:11
